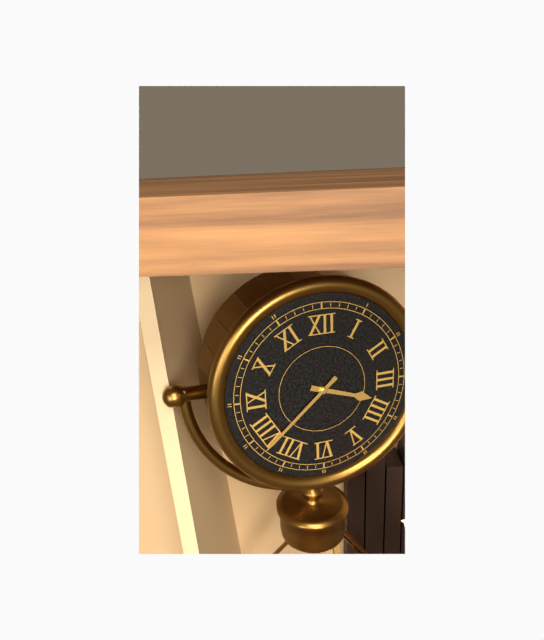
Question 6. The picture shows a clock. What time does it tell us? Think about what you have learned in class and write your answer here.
3:38
